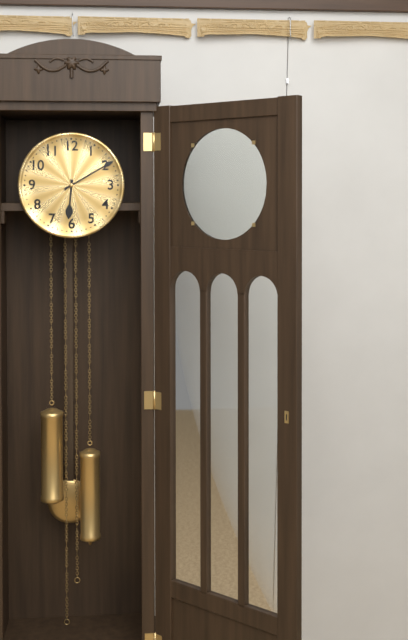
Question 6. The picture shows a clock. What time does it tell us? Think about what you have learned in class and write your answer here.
6:10
